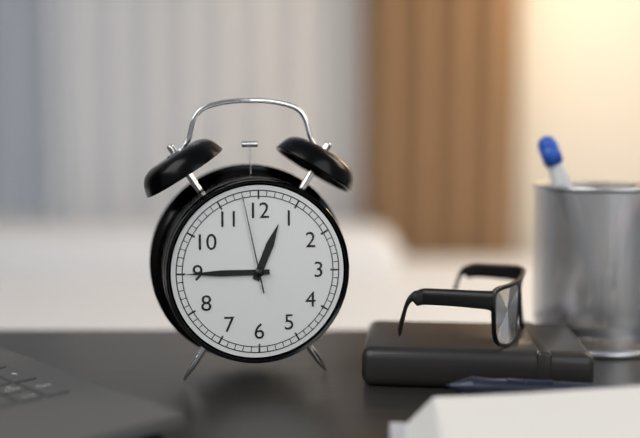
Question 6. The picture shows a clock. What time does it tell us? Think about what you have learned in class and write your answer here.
12:45:58
